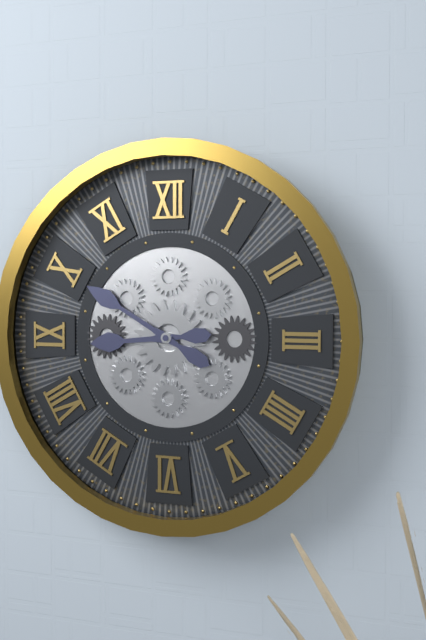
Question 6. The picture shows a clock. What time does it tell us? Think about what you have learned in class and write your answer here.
8:50
